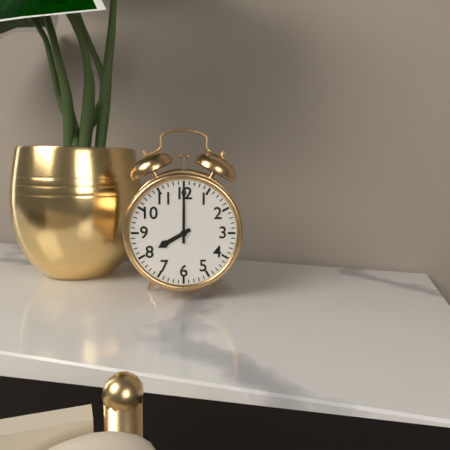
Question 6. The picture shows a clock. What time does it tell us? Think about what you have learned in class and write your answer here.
8:00
